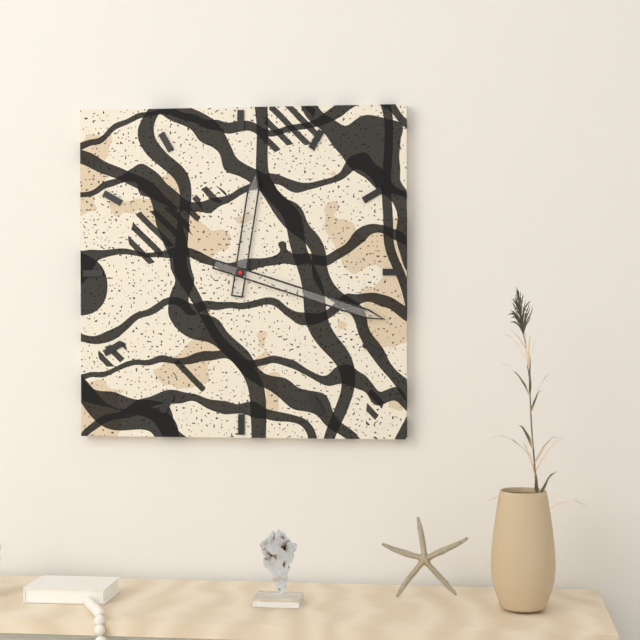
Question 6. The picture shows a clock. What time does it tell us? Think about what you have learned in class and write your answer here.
12:18
